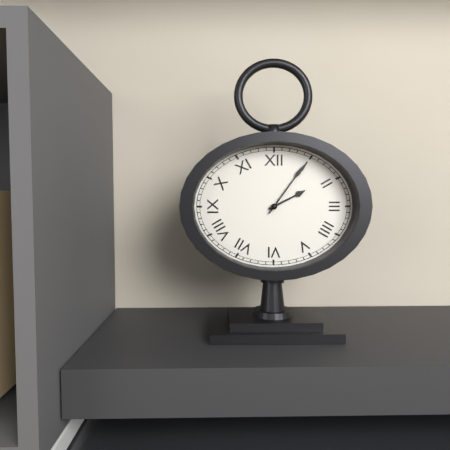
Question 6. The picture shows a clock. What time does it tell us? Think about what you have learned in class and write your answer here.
2:06
